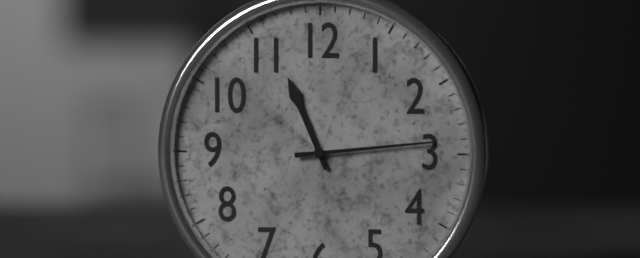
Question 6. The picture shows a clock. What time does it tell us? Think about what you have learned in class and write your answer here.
11:14
